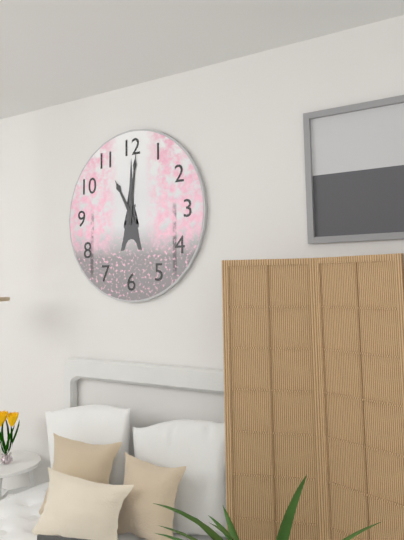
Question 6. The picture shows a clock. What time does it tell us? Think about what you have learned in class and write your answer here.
11:01
